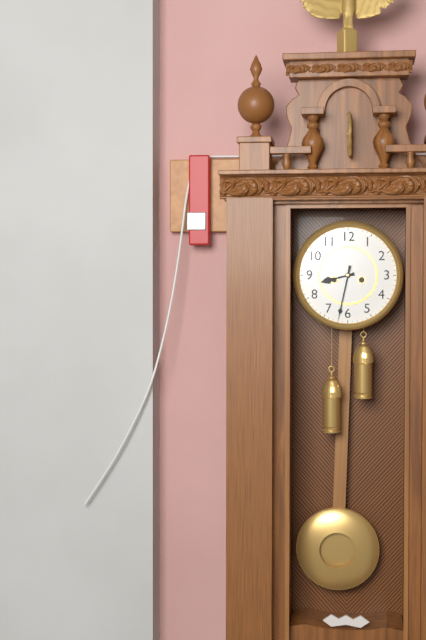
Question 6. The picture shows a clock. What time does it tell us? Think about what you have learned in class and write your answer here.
8:32
